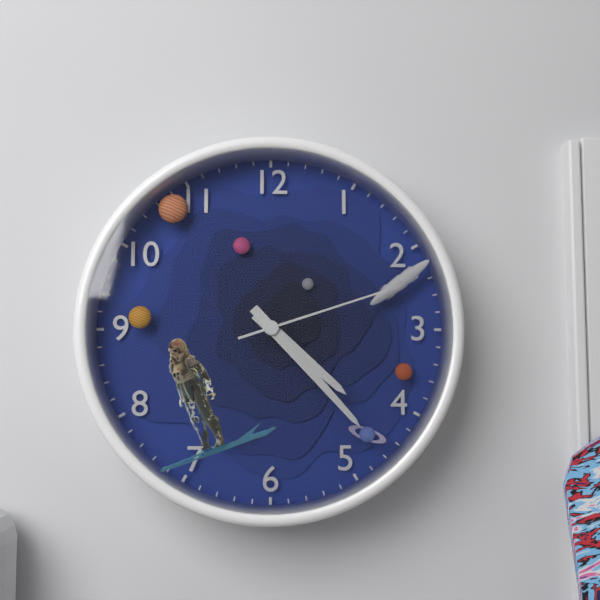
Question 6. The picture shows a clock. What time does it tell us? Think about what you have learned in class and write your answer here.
4:23:12
